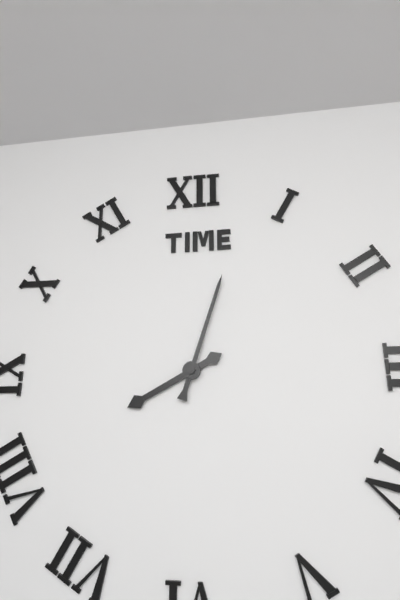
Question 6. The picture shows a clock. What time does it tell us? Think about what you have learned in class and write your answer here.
8:03
